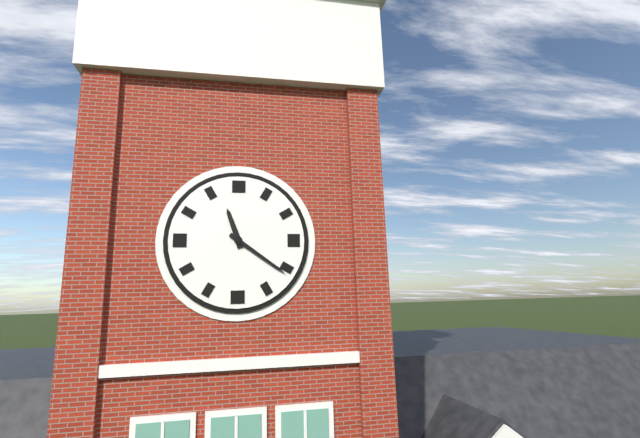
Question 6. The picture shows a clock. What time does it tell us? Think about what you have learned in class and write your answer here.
11:21
